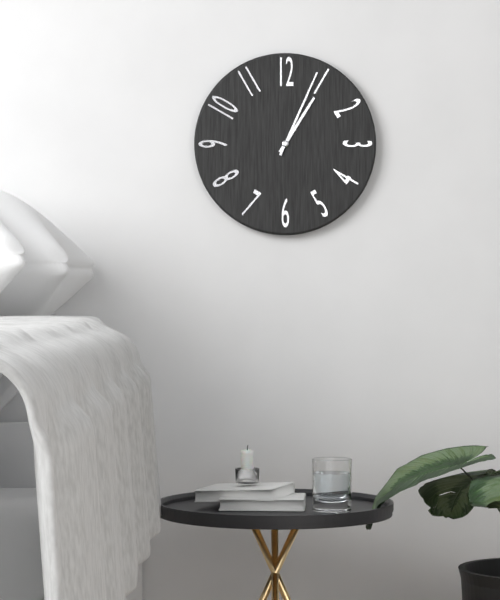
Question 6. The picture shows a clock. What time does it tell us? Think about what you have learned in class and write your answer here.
1:04
